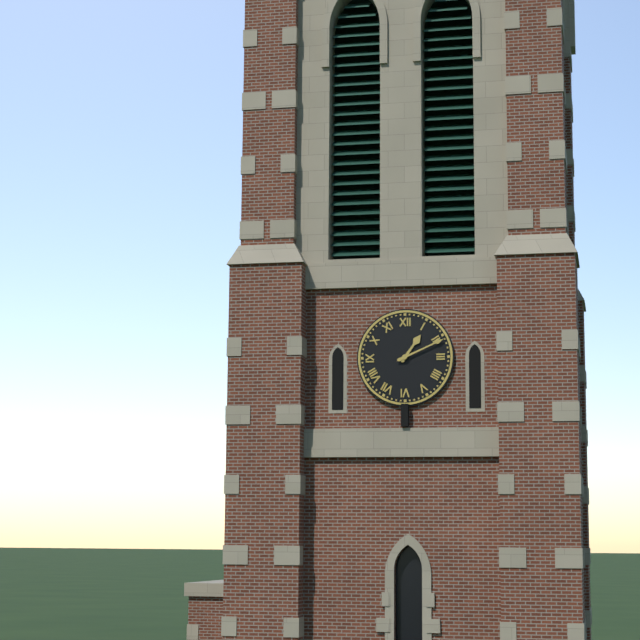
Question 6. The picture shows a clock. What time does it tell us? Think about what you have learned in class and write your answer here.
1:11
